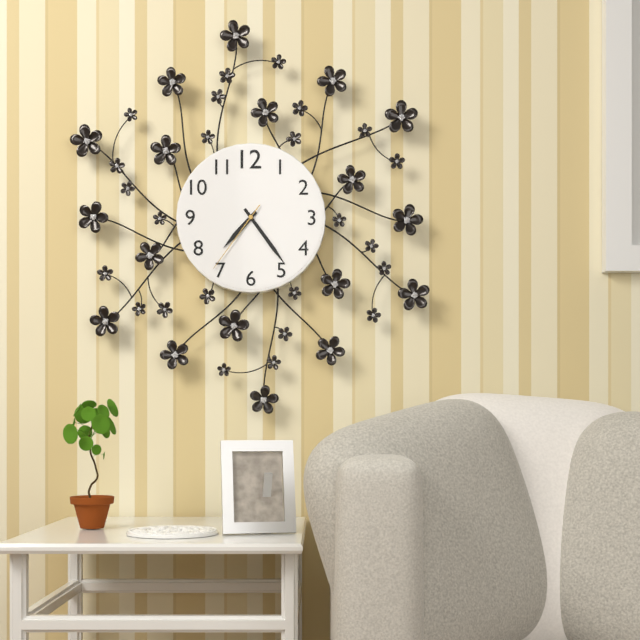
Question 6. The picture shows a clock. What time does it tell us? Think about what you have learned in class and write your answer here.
7:24:36
